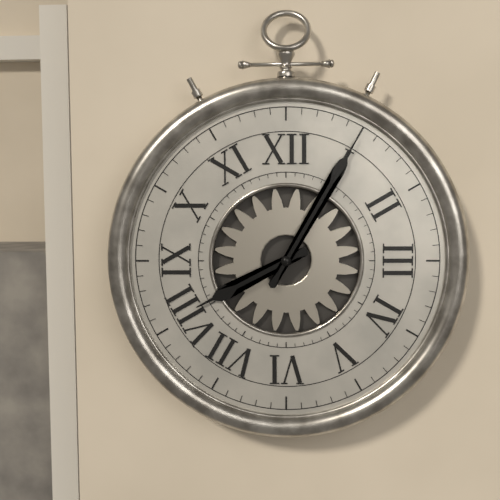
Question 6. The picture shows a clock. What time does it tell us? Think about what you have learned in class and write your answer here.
8:05
